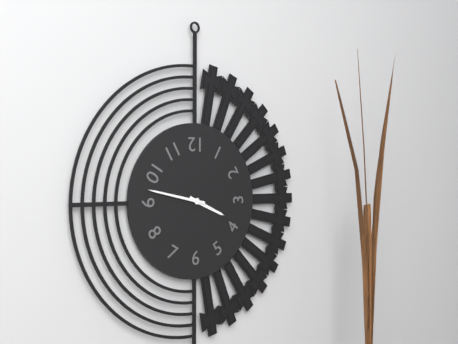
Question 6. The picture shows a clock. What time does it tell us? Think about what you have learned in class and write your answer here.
3:47
